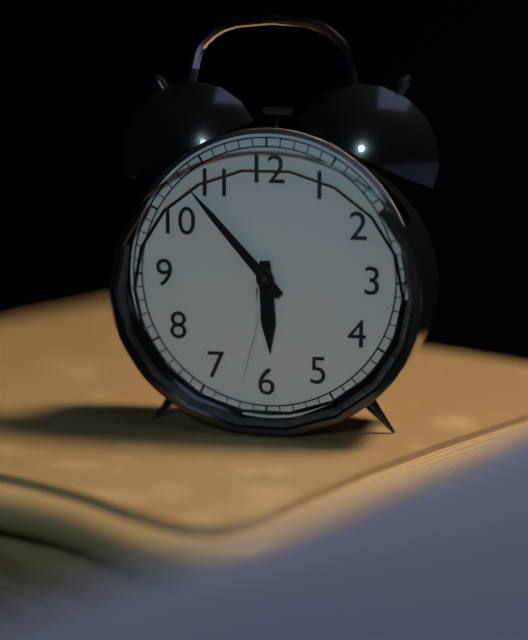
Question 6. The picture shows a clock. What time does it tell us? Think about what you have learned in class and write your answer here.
5:53
